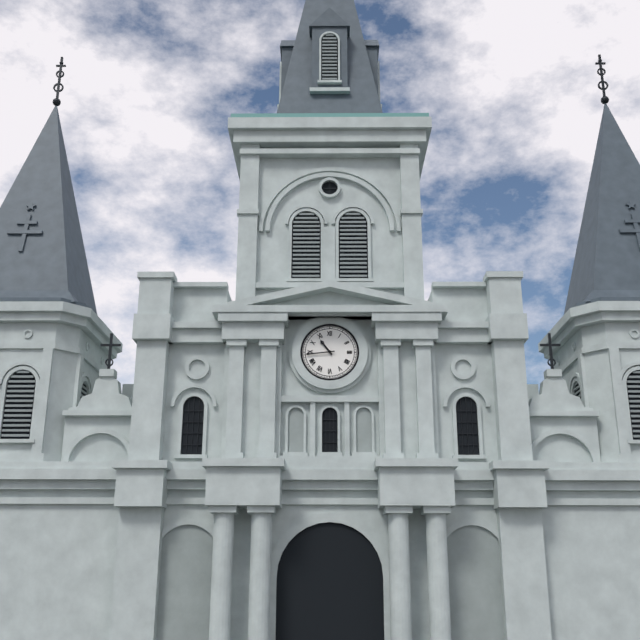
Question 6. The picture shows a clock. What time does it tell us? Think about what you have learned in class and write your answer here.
10:44
